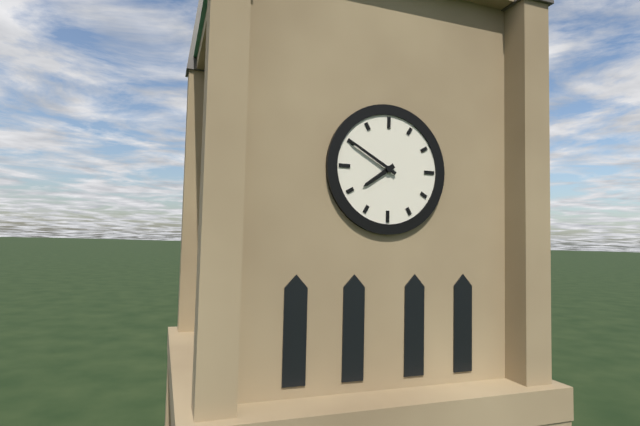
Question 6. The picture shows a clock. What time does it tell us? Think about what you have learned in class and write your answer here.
7:50
